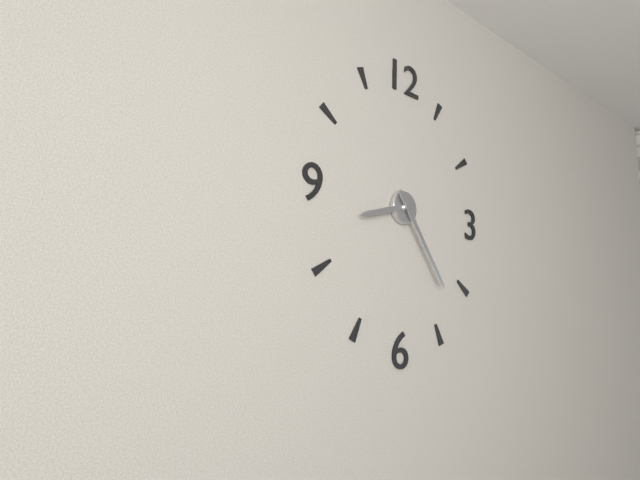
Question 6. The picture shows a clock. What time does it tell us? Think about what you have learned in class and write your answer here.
8:24
